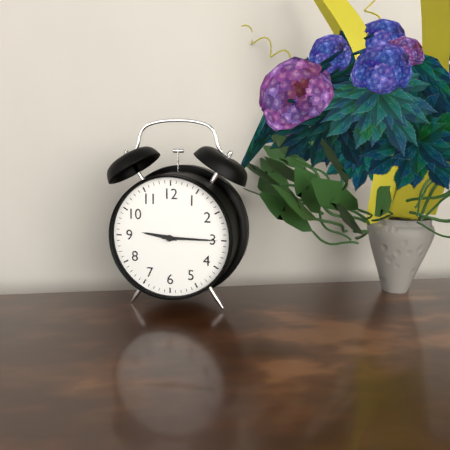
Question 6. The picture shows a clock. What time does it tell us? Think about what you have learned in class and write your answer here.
9:15
